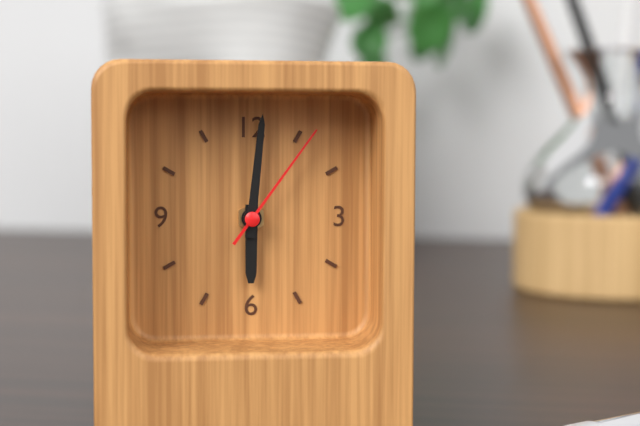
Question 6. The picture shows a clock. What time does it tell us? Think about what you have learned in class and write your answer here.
6:01:06
